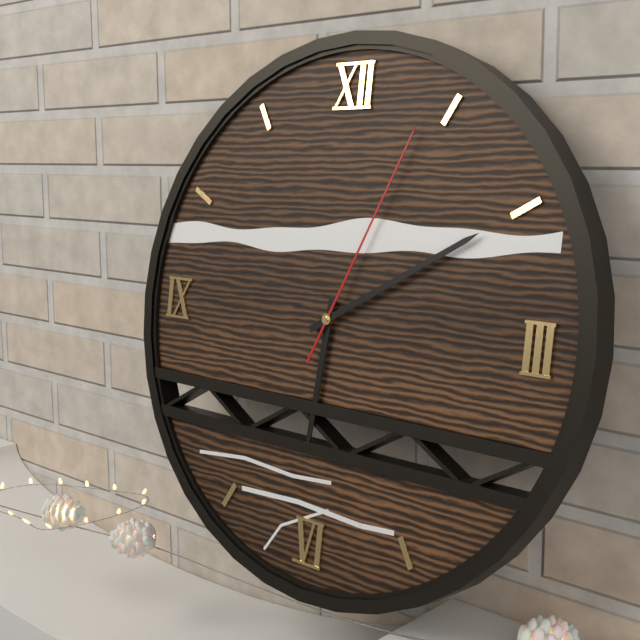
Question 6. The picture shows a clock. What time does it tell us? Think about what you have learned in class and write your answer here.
6:10:04
